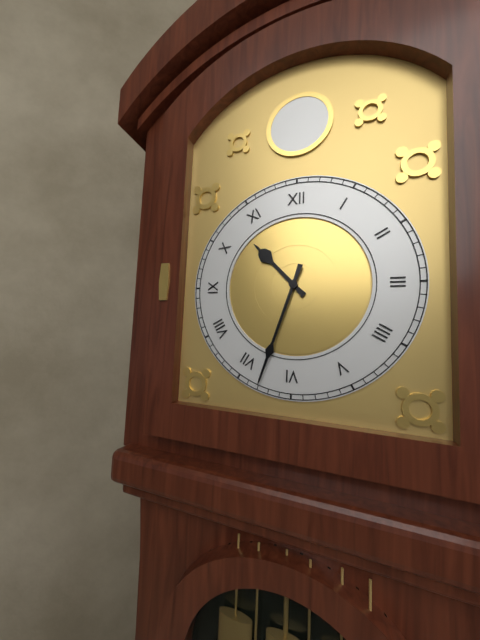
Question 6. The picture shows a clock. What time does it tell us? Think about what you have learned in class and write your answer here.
10:33
